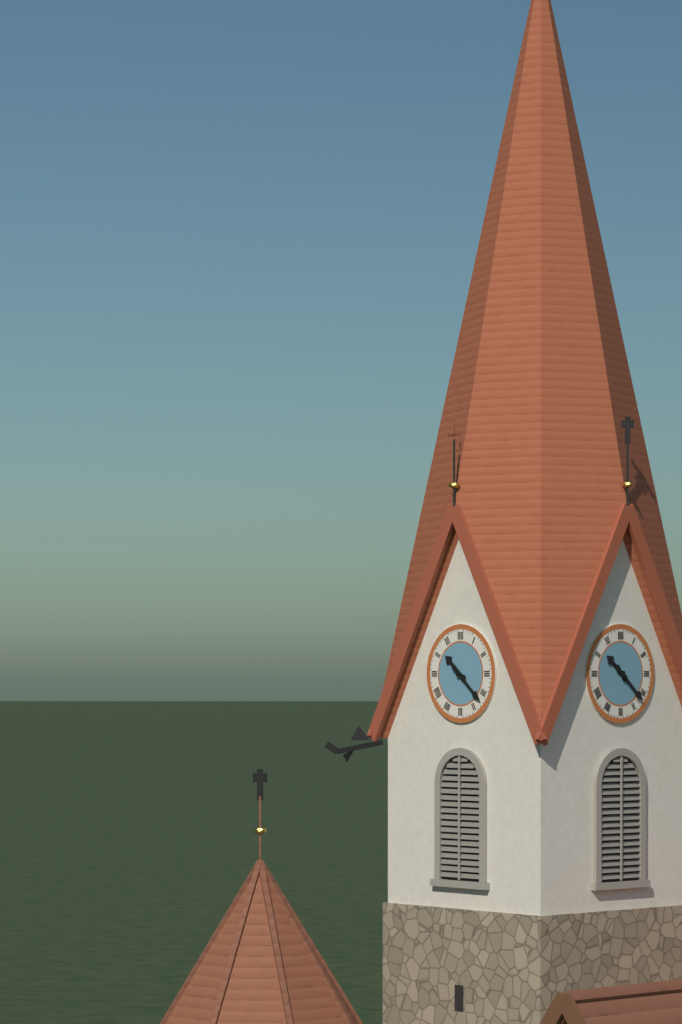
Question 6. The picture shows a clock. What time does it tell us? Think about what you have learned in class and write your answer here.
10:22
